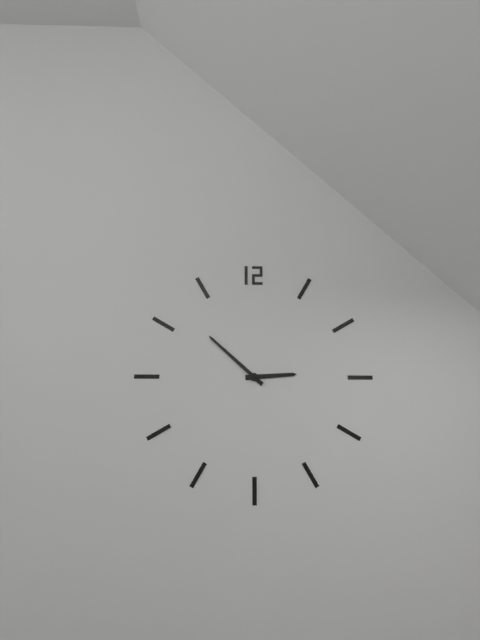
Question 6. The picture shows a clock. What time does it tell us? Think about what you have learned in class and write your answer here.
2:52
